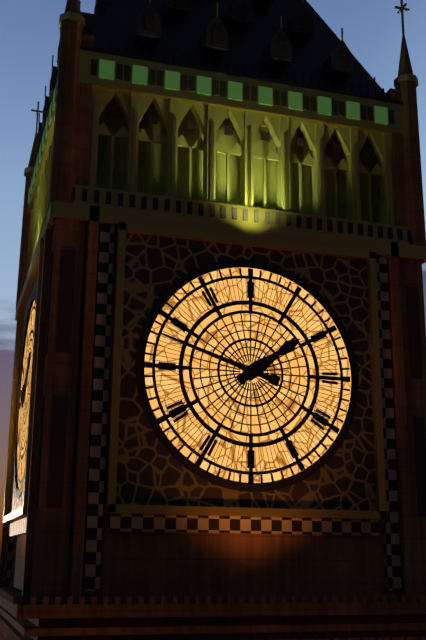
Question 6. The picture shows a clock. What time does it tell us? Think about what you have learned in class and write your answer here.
1:48
